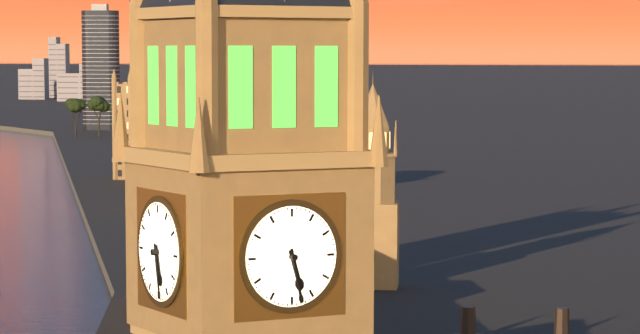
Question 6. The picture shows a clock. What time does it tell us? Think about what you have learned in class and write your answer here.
5:28
